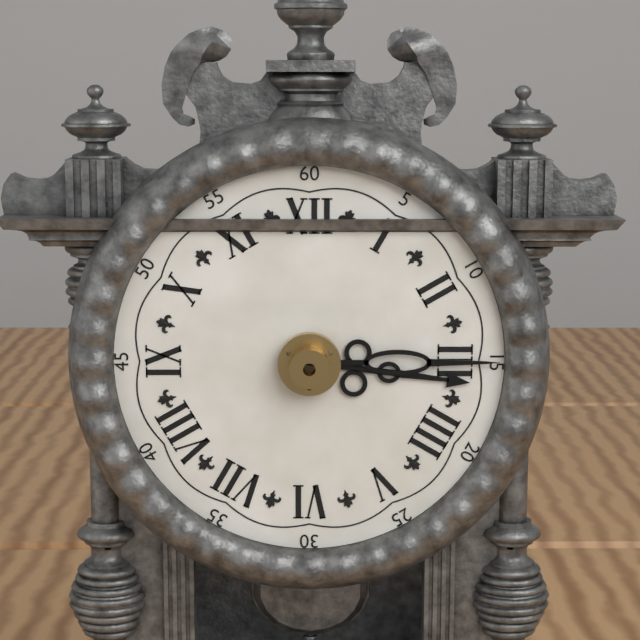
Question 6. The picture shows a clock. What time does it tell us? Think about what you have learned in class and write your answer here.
3:15
